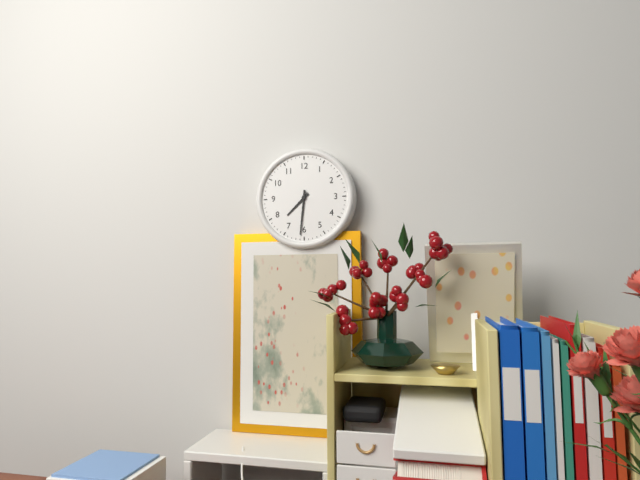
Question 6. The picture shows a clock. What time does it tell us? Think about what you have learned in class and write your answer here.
7:31
